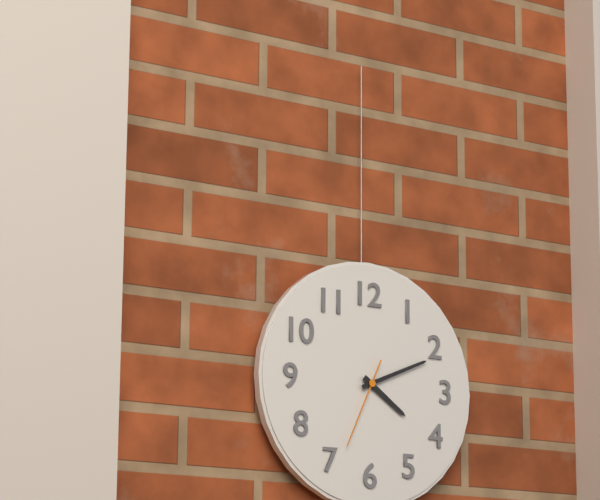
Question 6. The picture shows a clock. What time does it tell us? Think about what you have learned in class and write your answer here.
4:11:34
